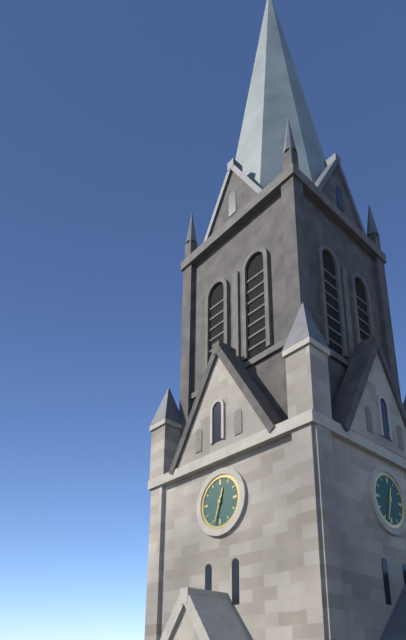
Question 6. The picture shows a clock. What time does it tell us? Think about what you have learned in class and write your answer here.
12:33
